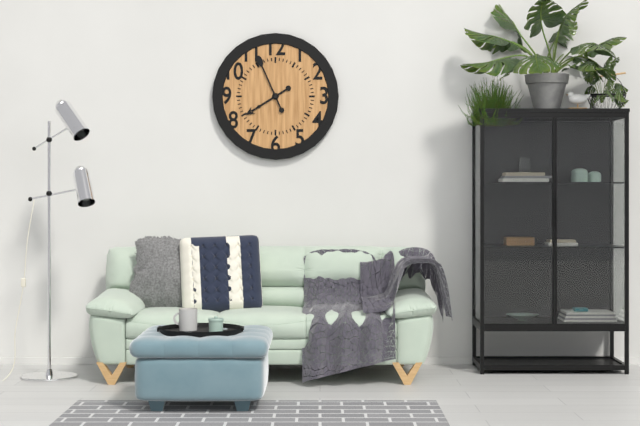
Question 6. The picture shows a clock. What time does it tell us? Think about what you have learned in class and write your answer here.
7:56
